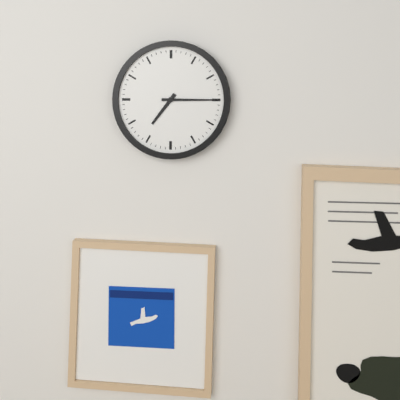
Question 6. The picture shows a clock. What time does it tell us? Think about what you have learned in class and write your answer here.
7:15
